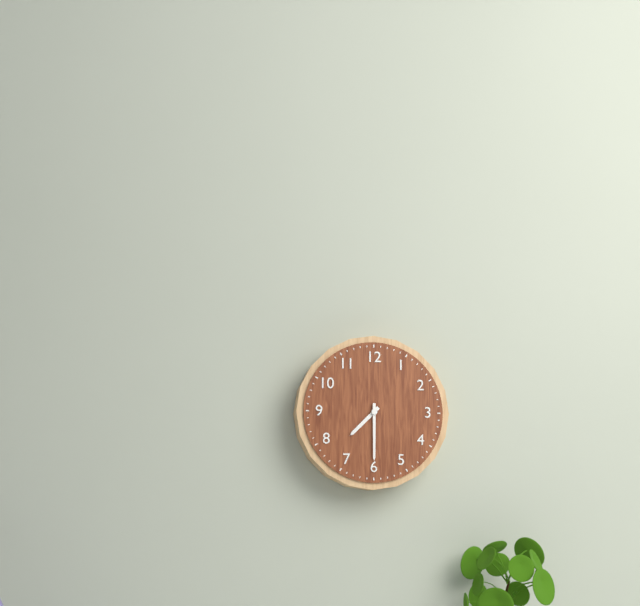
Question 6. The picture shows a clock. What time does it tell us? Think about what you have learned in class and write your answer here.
7:30
